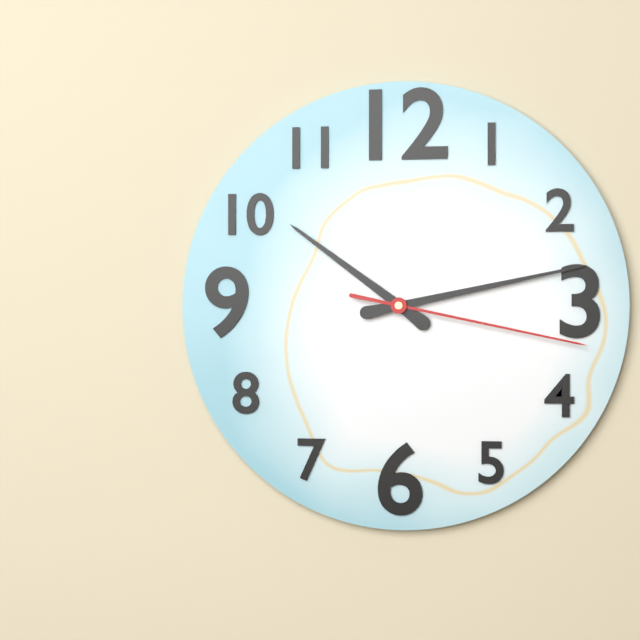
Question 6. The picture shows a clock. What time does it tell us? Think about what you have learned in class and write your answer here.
10:13:17
